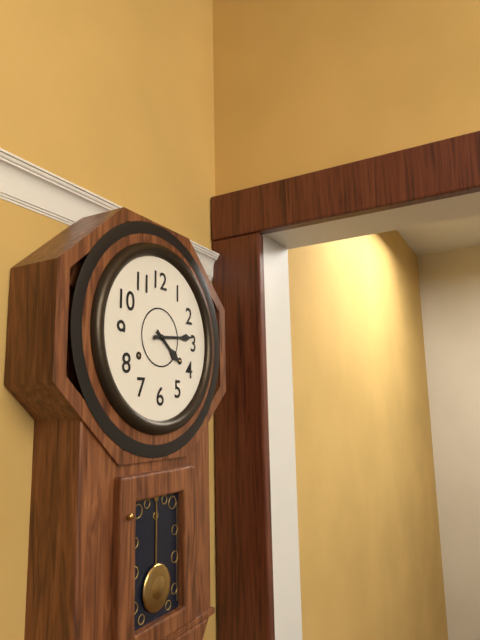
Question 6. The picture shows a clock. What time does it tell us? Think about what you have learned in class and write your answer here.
4:14
